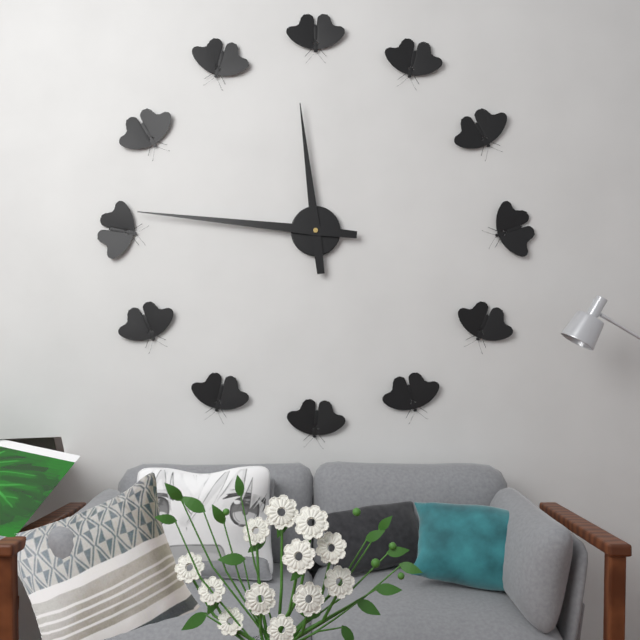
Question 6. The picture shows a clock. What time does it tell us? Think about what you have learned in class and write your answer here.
11:46
